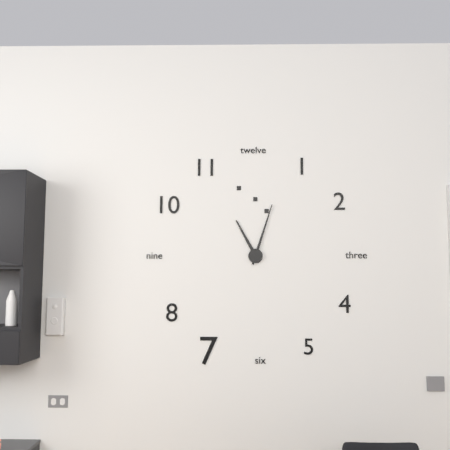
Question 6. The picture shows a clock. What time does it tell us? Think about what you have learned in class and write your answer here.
11:03
